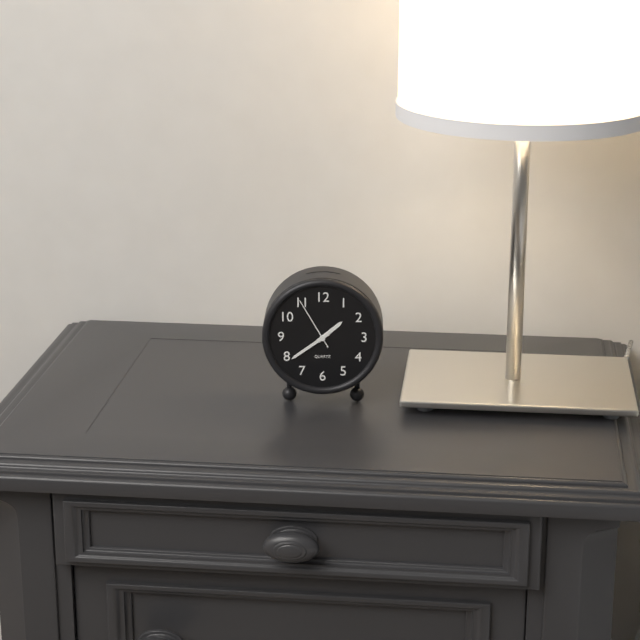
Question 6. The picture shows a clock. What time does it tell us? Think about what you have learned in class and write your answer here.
1:39:55
